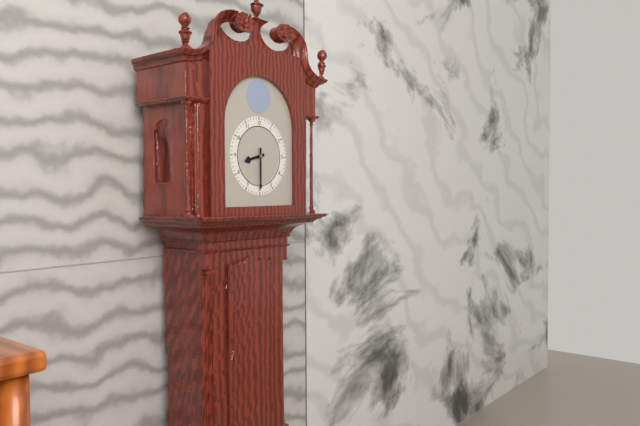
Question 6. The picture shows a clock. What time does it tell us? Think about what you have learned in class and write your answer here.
8:30
